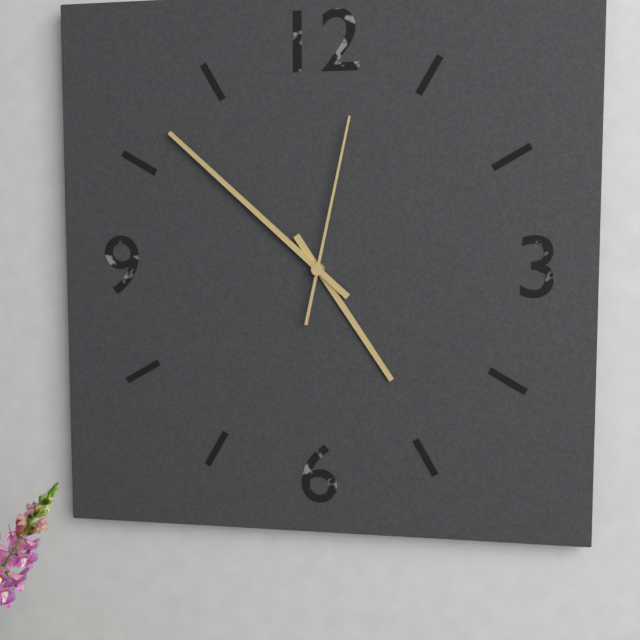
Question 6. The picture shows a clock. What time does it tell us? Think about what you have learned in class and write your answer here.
4:52:02
